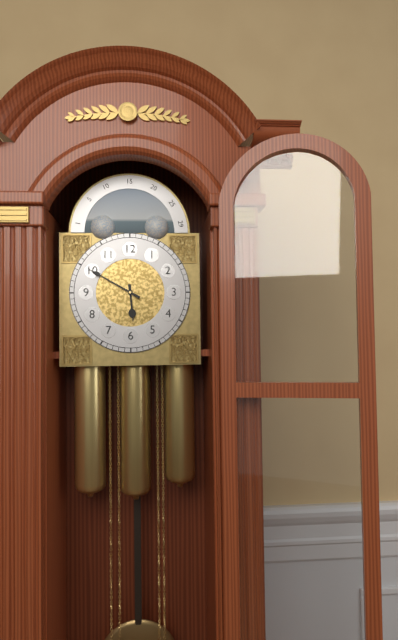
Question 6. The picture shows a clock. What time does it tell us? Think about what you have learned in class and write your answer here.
5:50
